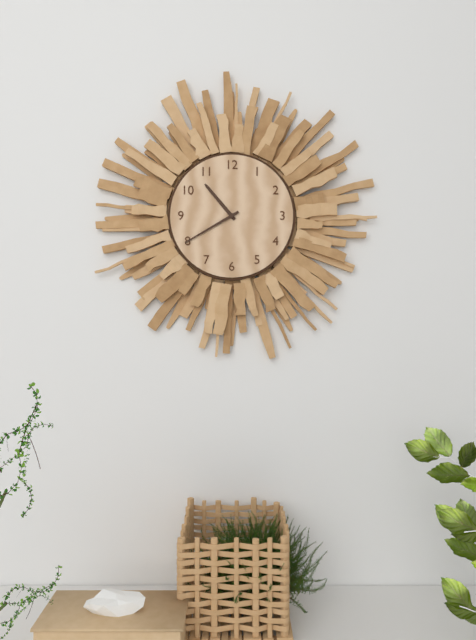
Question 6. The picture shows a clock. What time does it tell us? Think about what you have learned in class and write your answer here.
10:40
